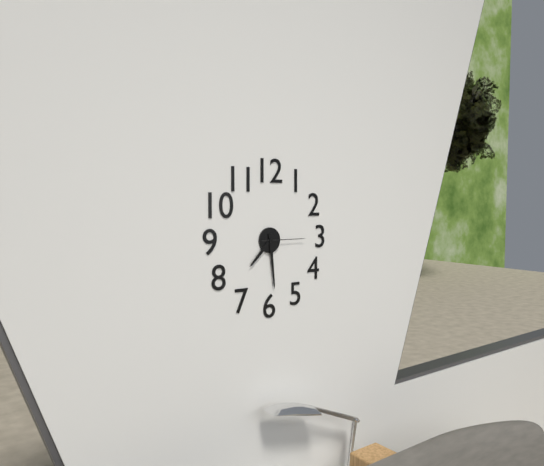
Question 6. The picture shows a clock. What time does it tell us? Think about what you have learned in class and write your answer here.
7:29
